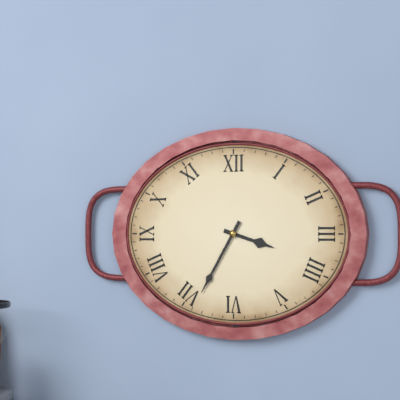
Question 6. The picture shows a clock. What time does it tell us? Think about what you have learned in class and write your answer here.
3:35
